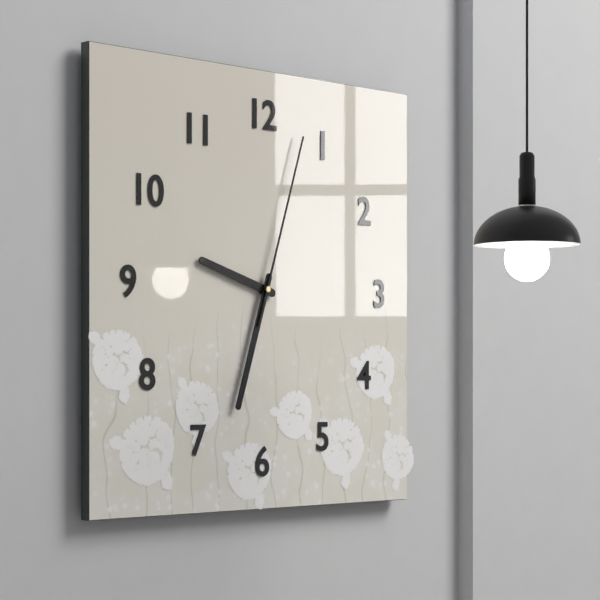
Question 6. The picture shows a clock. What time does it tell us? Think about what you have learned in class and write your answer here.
9:33:03
